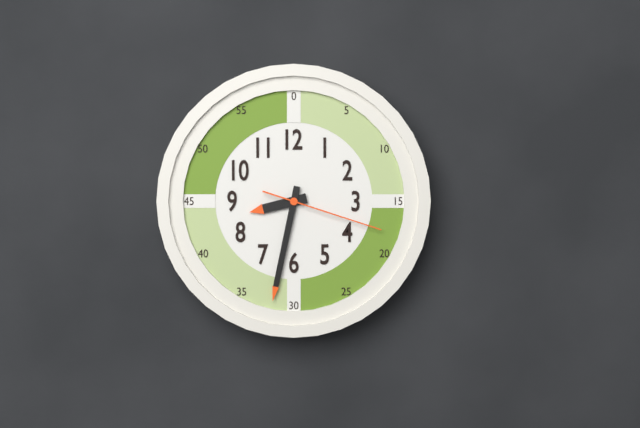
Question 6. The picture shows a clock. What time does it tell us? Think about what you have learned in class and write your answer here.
8:32:18
